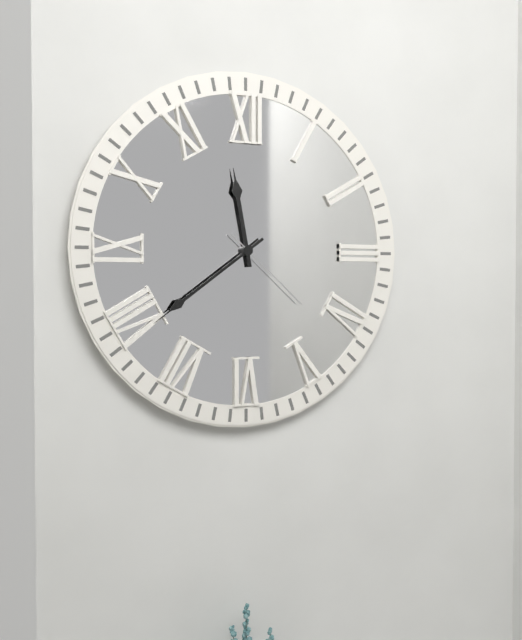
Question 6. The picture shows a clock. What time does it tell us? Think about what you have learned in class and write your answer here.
11:39:22
